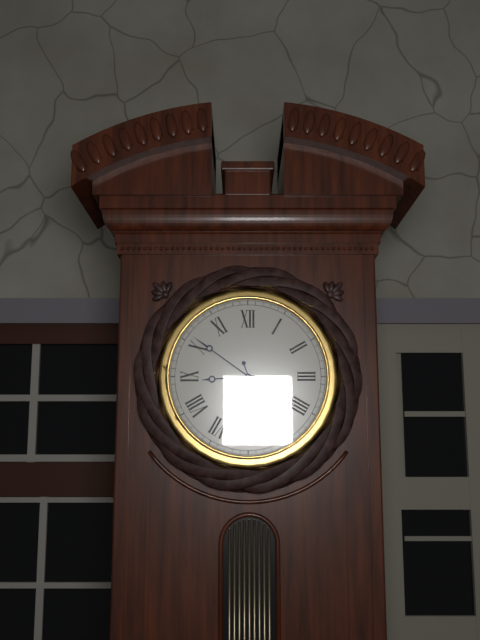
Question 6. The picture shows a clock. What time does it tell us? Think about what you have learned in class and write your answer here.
8:51:27
